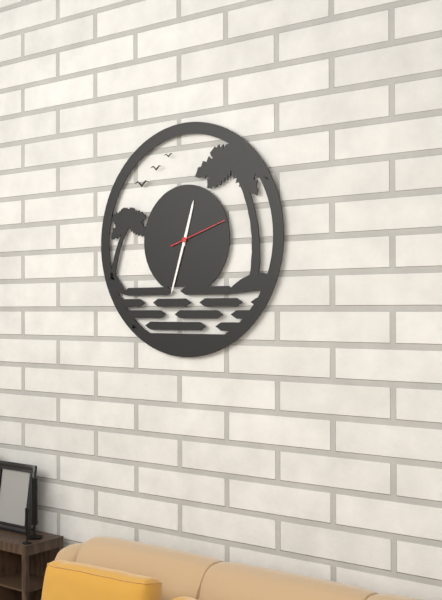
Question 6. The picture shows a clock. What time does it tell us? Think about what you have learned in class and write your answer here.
12:33:12
